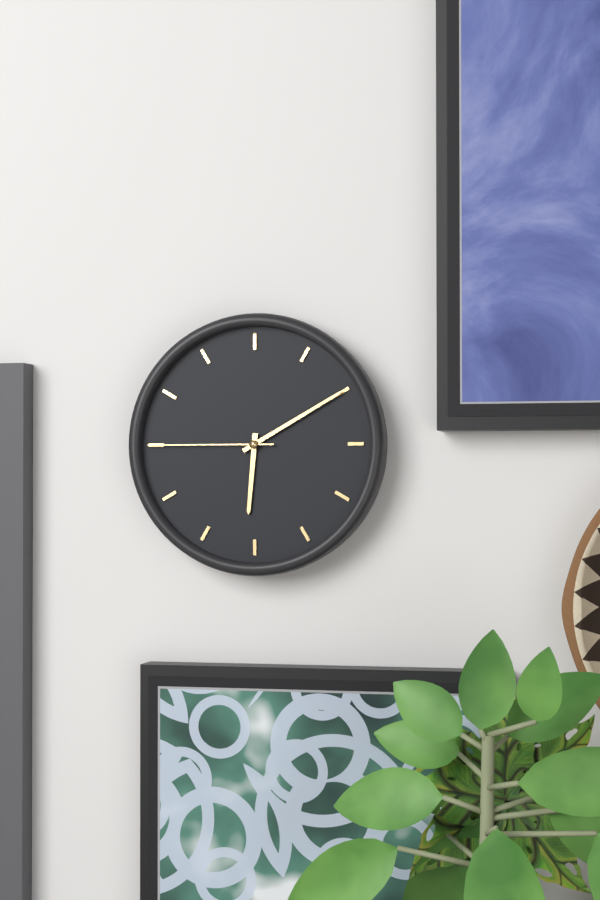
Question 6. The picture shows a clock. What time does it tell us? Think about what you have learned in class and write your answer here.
6:10:45
